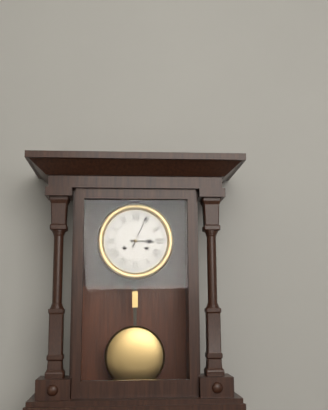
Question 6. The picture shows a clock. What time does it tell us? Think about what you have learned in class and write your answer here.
3:04
